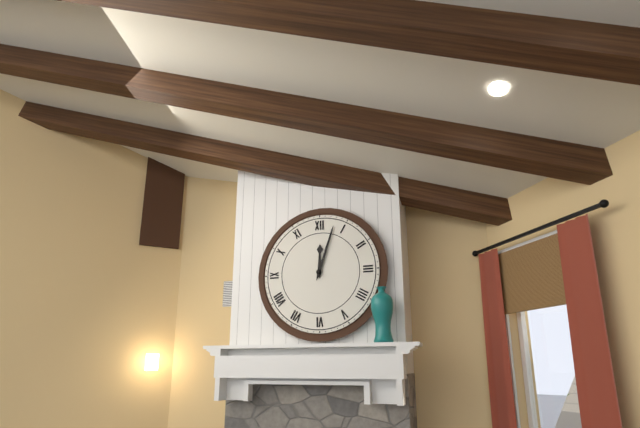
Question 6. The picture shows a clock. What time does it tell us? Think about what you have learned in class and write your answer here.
12:03
